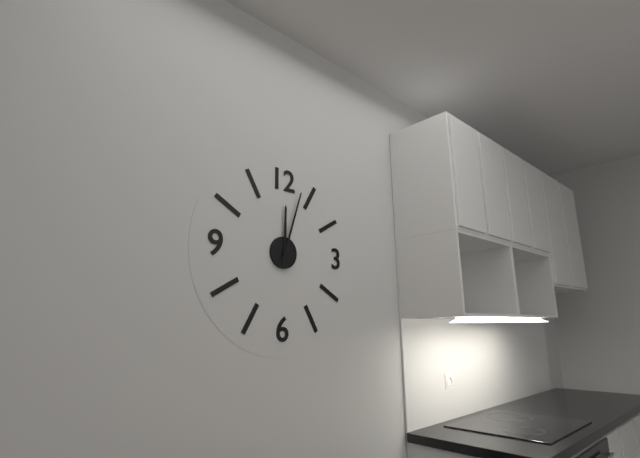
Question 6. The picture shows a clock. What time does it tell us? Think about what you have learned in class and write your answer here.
12:03
